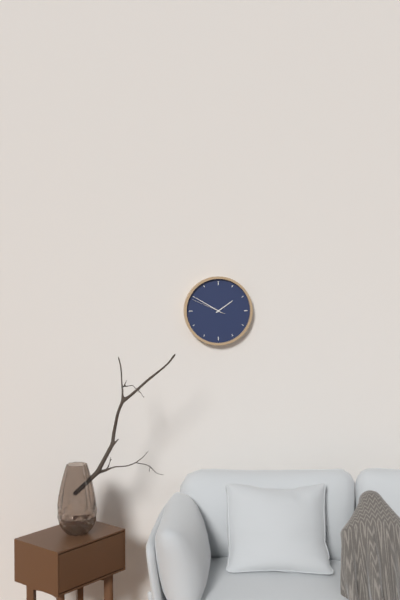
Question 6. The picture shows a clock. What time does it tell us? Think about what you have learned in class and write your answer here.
1:50
